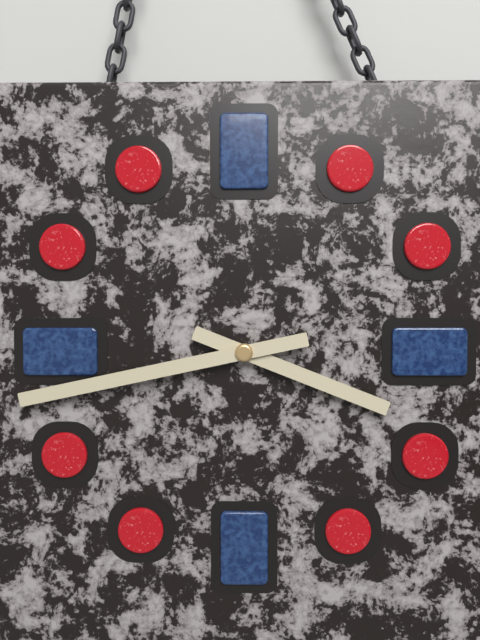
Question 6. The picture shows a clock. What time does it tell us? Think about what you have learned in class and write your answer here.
3:43
